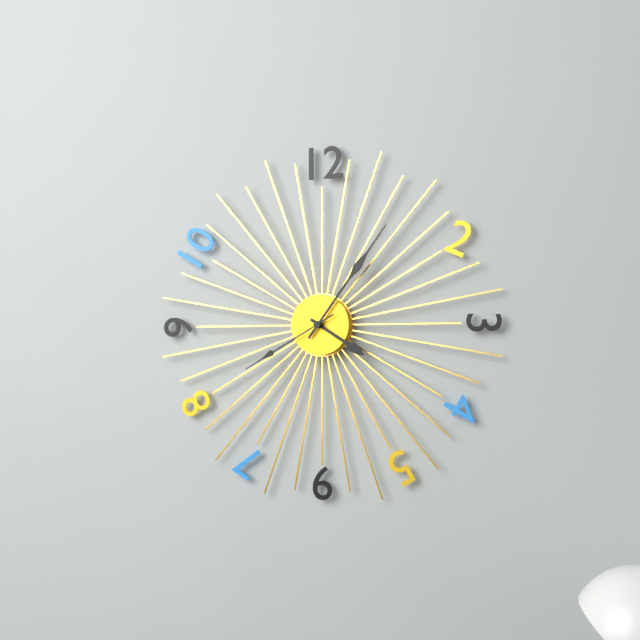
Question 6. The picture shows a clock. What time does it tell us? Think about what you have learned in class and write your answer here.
4:06:40
